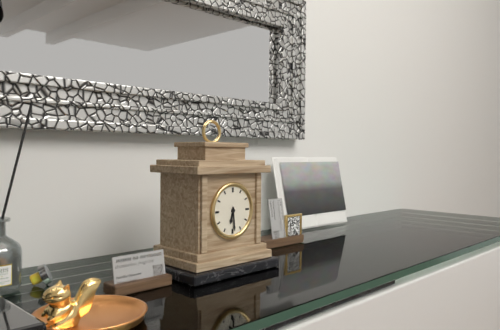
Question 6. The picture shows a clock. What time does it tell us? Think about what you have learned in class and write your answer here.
6:29
